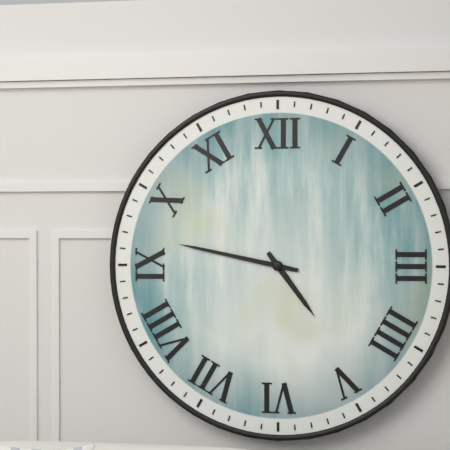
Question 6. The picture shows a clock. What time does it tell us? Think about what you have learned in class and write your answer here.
4:47
